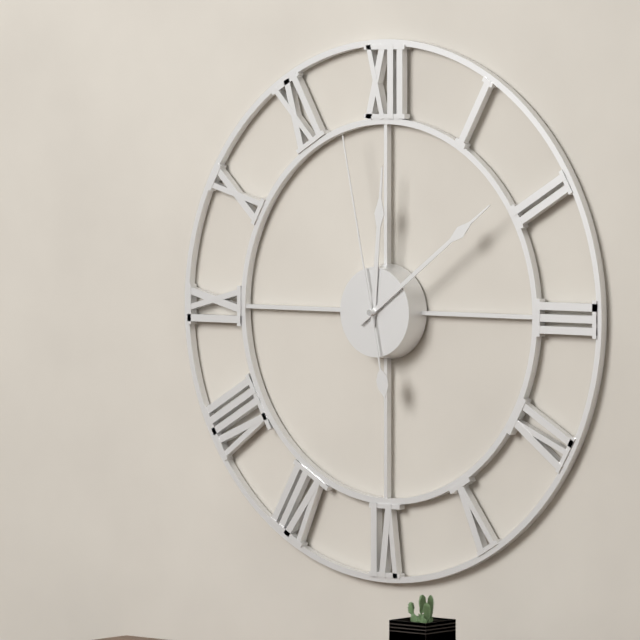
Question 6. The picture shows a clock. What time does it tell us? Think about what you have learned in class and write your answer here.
12:09:58
